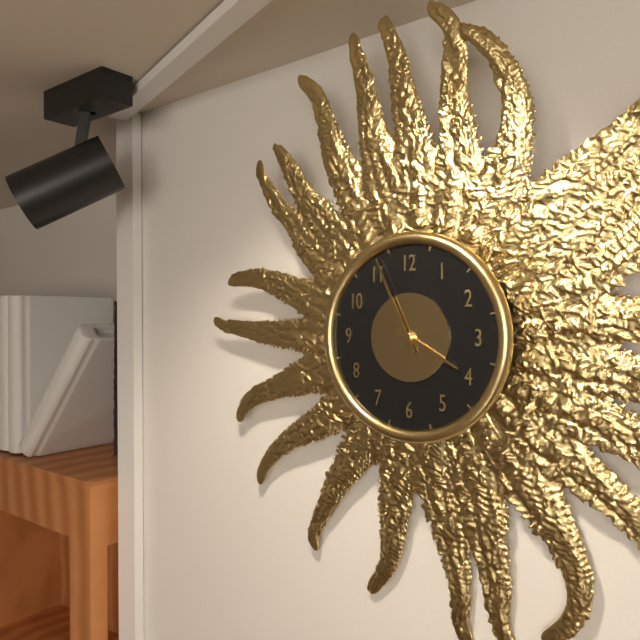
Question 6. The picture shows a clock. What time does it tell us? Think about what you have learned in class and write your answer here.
3:56
